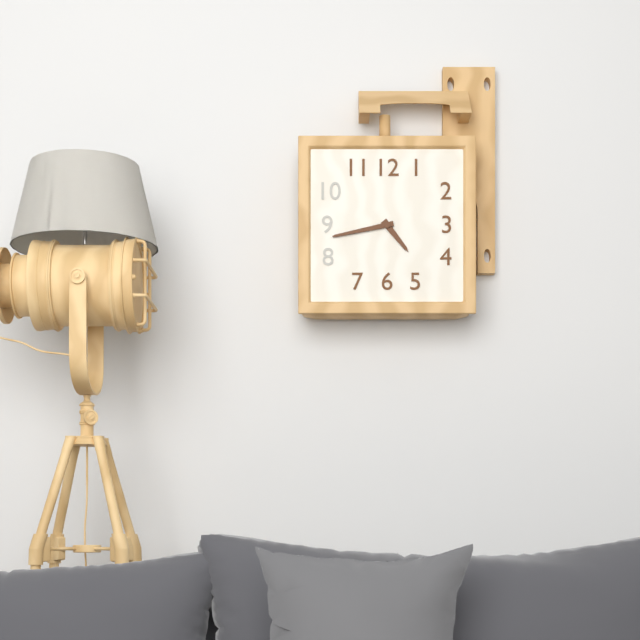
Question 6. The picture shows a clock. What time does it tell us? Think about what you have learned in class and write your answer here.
4:43
